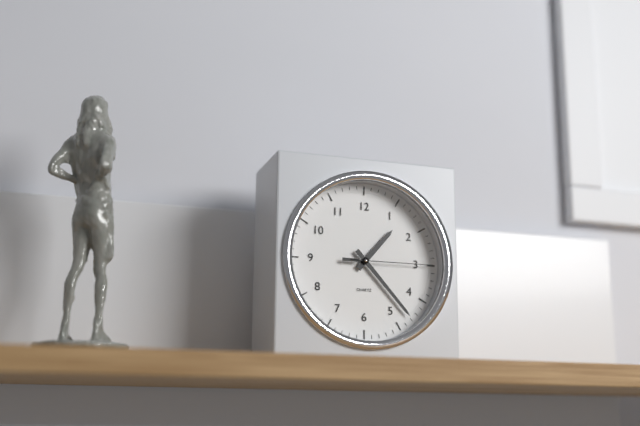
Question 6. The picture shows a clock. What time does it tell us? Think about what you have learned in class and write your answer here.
1:23:15
